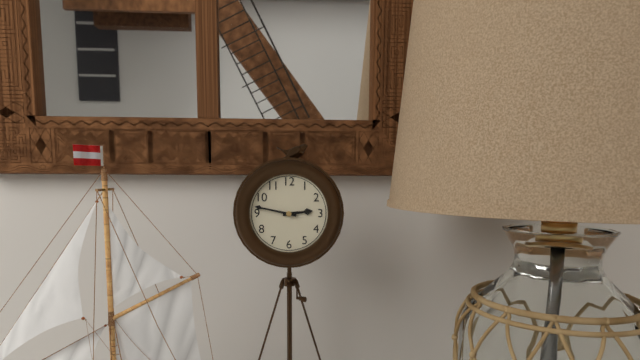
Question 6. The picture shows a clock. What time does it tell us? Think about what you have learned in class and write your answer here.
2:47
